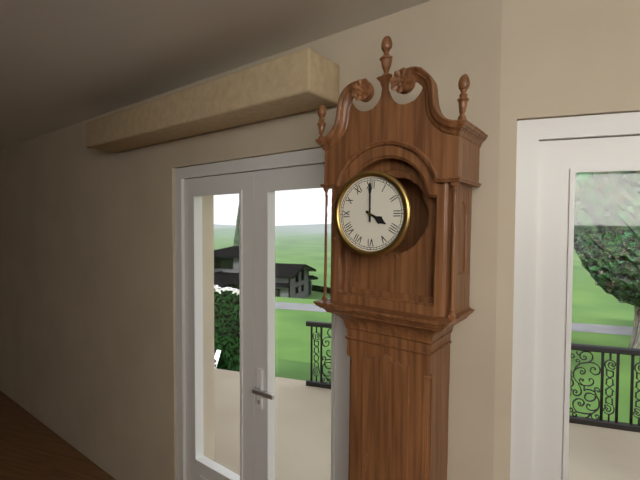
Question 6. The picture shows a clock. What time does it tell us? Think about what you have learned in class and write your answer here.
4:00
